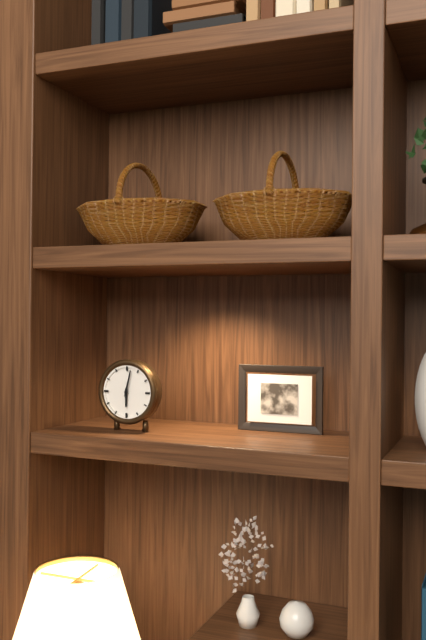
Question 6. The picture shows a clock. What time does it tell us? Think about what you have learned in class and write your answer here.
6:02
